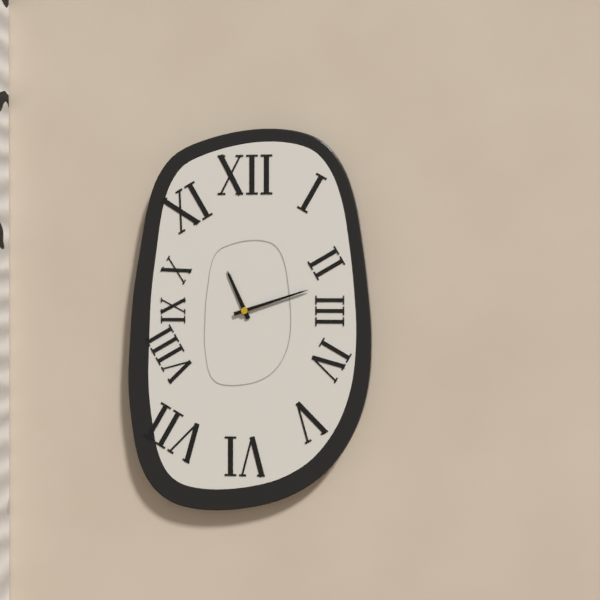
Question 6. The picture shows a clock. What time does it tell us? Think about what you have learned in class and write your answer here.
11:12
